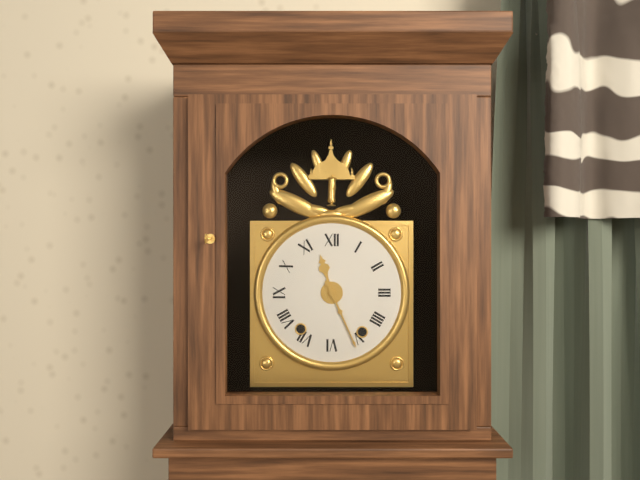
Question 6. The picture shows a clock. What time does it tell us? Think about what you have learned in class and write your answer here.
11:26
